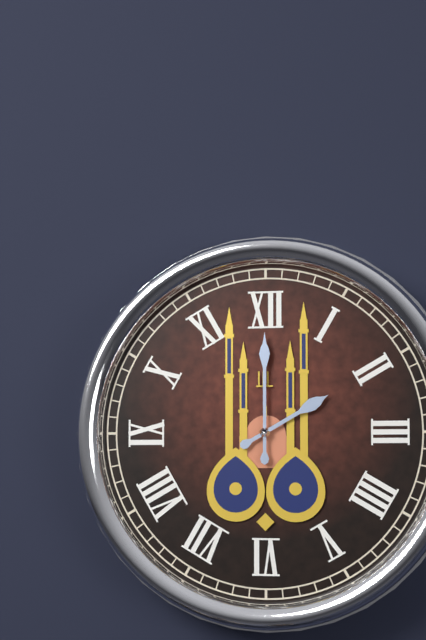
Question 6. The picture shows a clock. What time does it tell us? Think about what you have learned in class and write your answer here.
2:00
